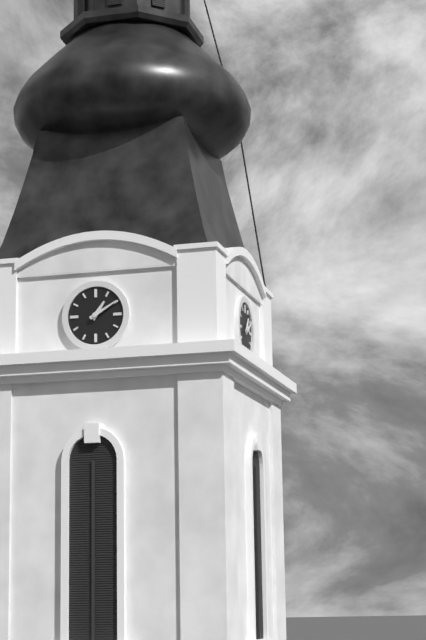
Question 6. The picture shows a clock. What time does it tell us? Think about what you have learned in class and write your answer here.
1:10
